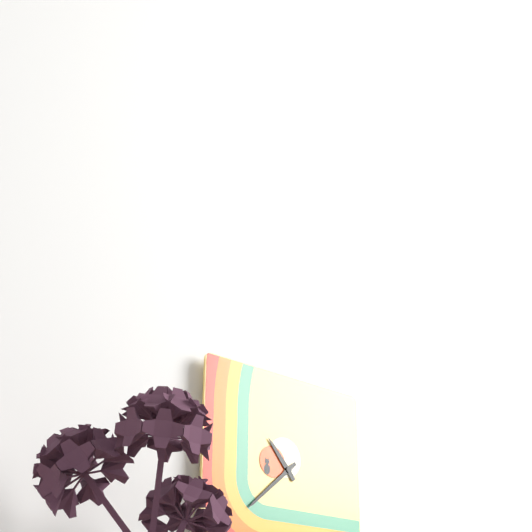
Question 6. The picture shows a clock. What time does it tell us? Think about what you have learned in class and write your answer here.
10:38
